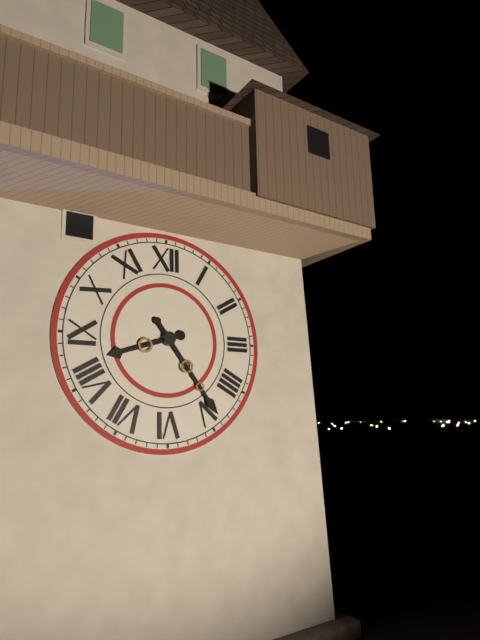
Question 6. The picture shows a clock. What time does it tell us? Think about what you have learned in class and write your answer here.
8:24
